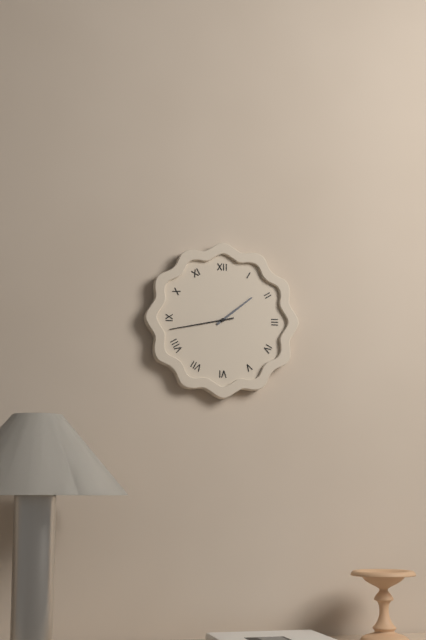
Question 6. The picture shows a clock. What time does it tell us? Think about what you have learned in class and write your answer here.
1:43
